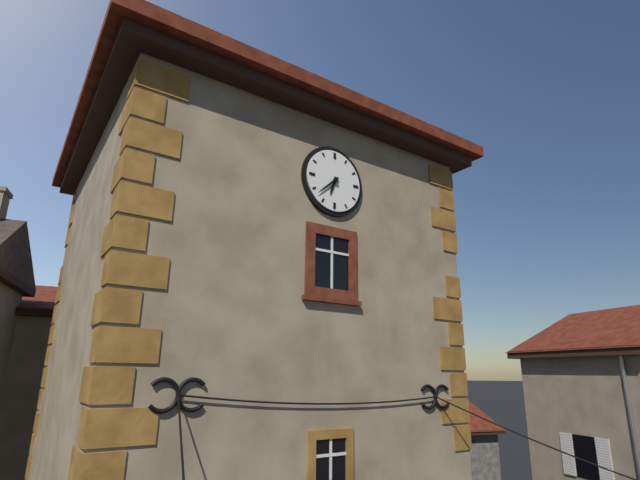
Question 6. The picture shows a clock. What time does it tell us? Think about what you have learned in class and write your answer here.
6:38
